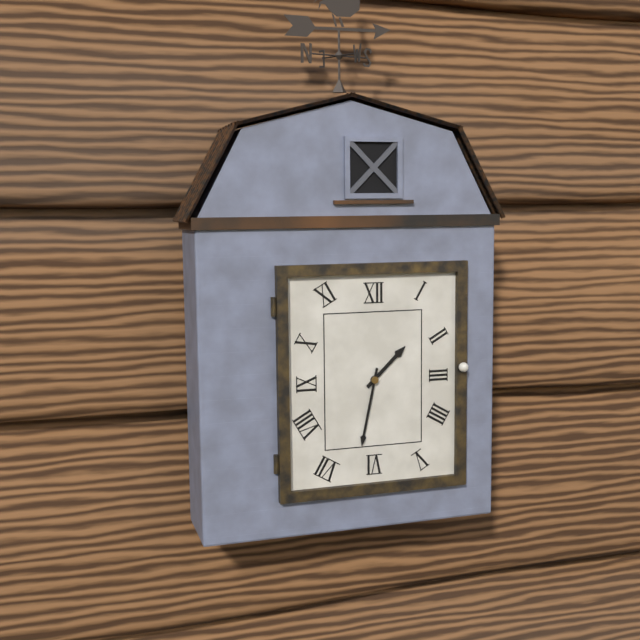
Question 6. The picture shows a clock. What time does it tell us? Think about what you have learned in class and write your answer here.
1:32
